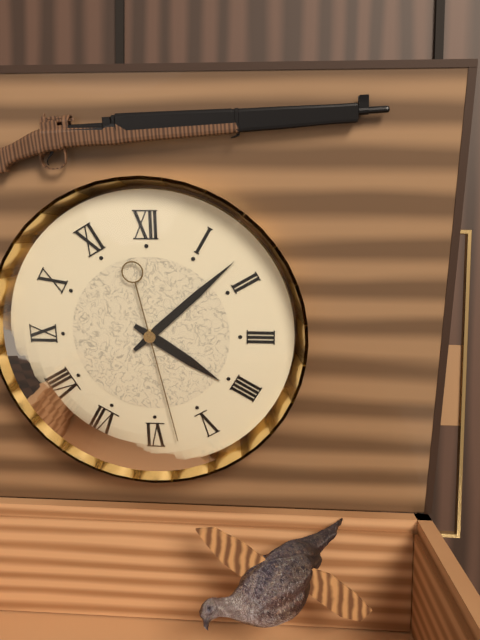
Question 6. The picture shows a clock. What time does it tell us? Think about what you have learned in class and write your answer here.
4:08:28
